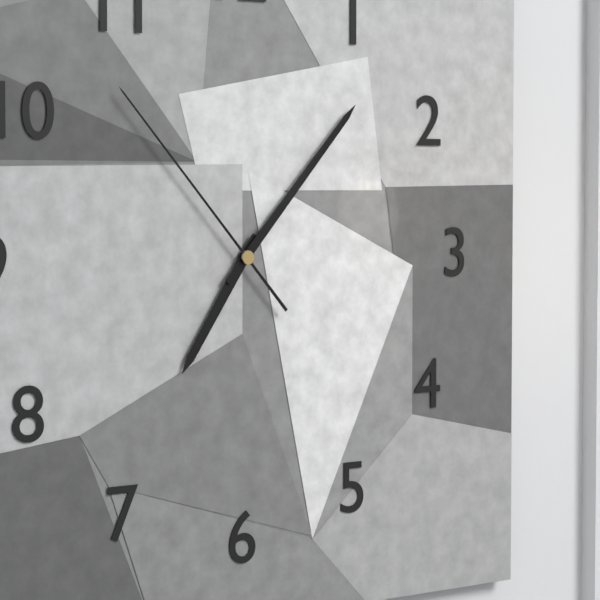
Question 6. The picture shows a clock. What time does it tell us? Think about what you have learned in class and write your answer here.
7:07:53
